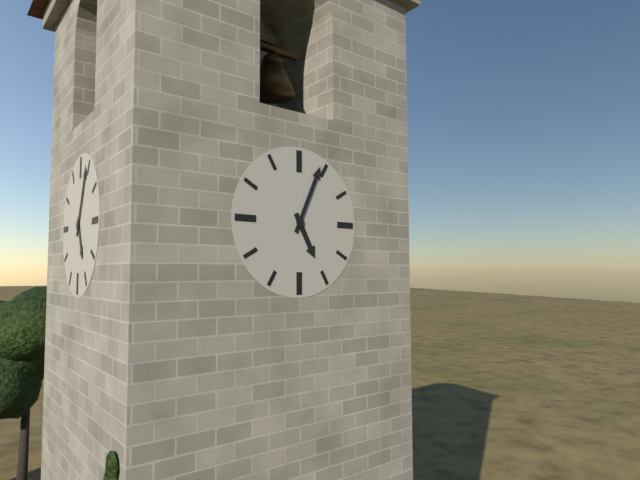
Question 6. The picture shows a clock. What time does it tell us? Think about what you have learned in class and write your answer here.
5:04
